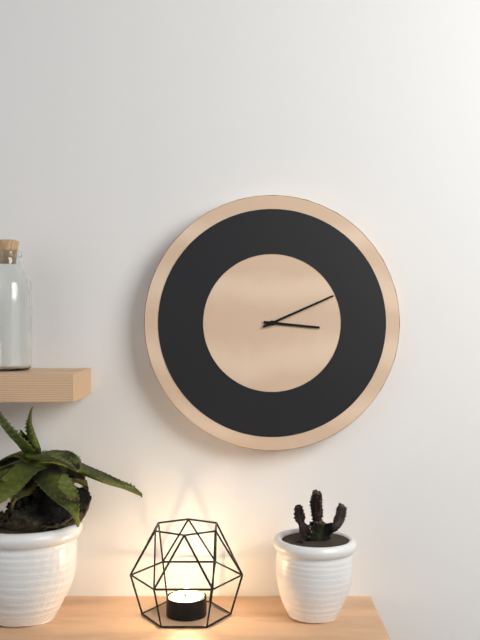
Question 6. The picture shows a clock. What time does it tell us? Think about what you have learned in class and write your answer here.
3:11
